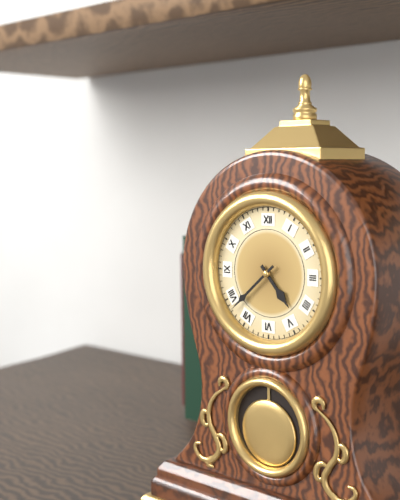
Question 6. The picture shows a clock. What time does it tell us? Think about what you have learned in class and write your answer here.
4:38
